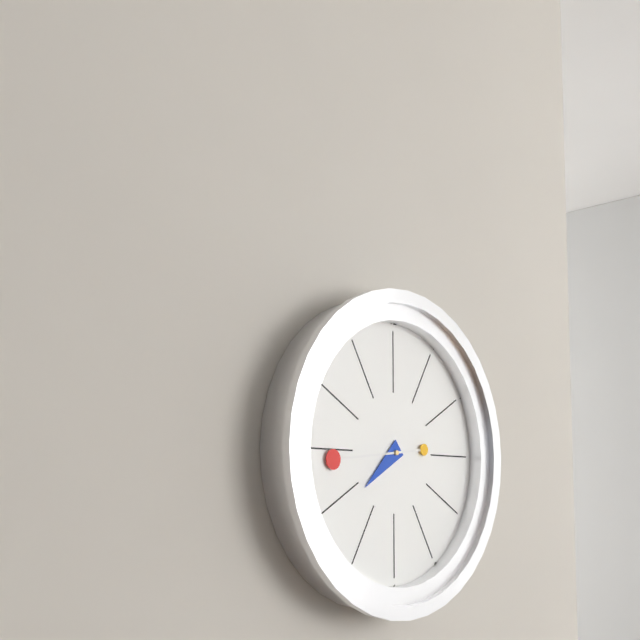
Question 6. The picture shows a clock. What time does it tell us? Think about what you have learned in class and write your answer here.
7:44
